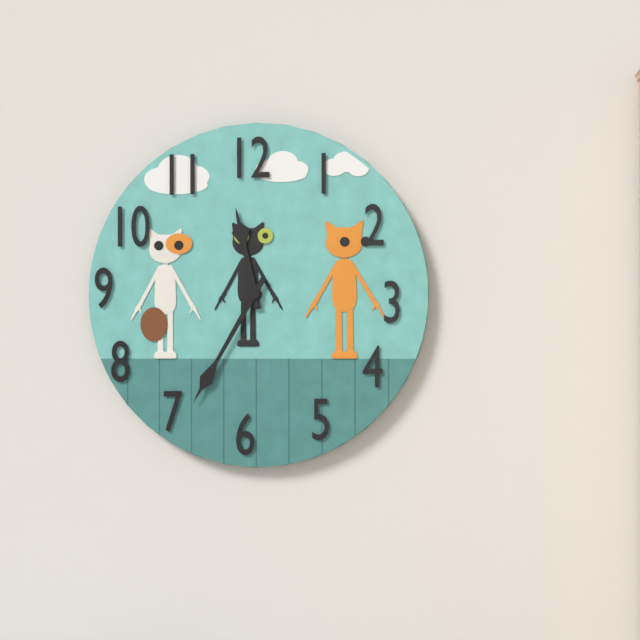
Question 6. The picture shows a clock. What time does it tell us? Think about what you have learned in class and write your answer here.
11:35
